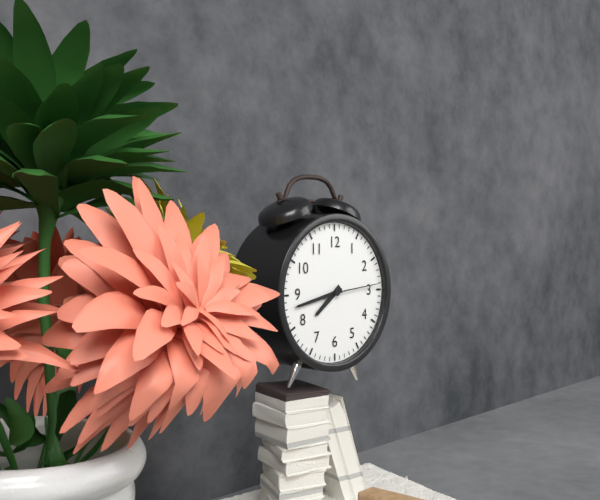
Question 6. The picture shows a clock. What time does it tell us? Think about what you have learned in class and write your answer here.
7:43:14
